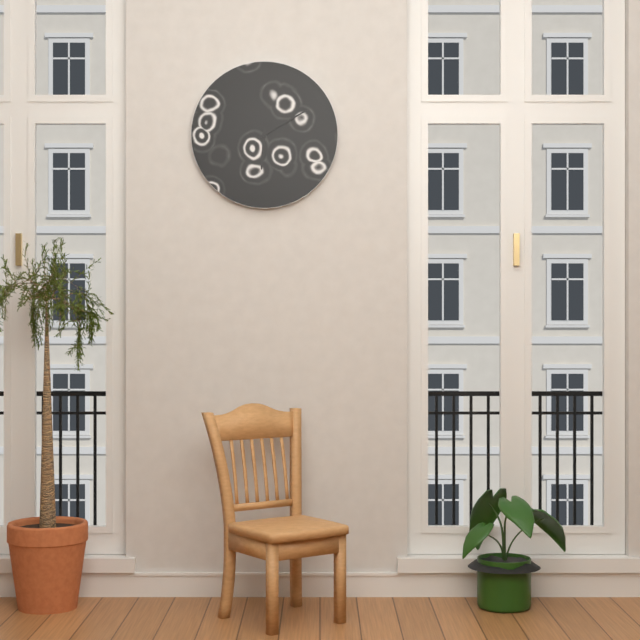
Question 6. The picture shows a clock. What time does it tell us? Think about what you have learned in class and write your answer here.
6:10
